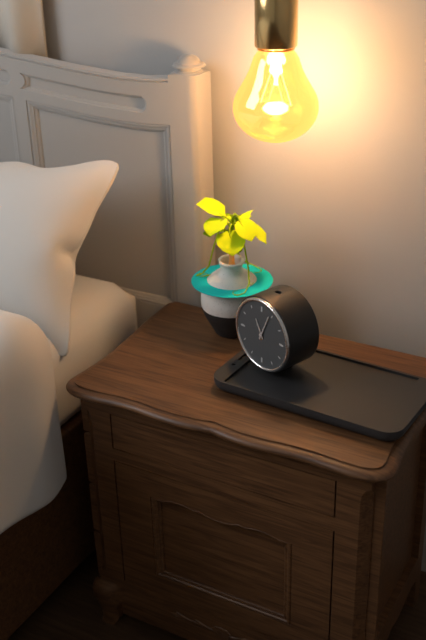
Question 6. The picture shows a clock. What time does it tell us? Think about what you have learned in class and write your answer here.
11:04
